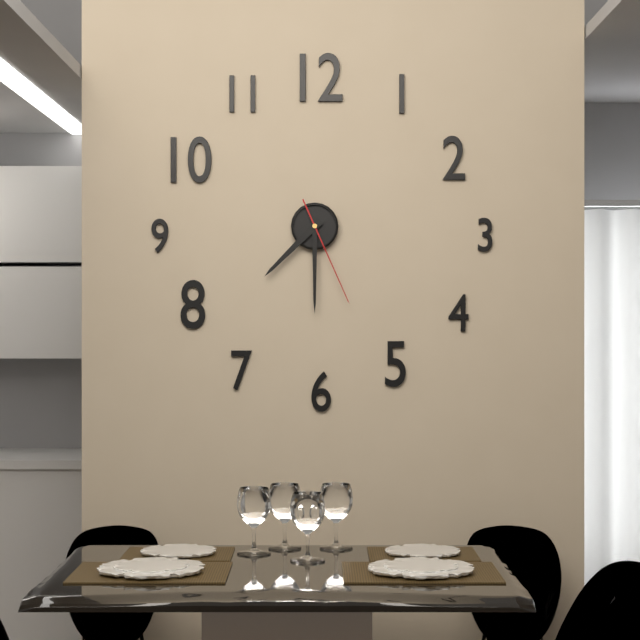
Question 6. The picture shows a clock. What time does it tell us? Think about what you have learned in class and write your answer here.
7:30:26
